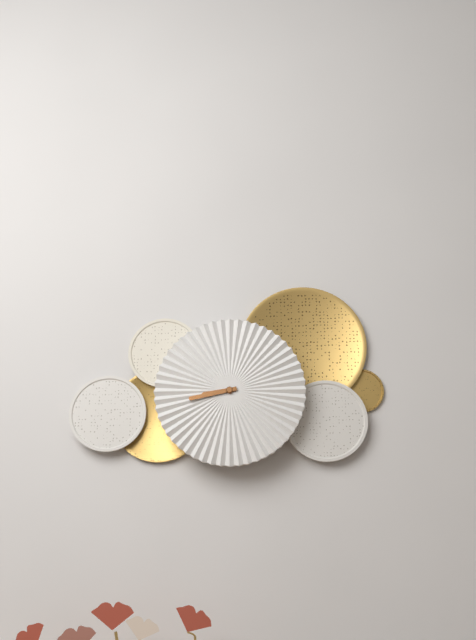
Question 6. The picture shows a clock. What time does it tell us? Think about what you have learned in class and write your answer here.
8:43
